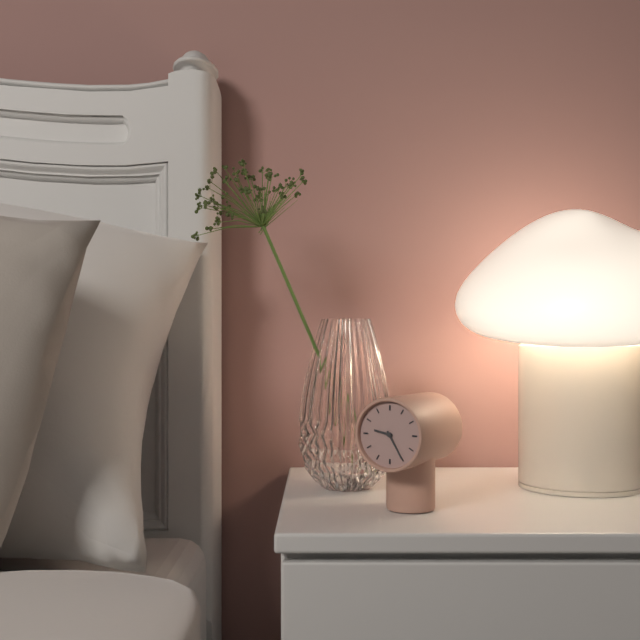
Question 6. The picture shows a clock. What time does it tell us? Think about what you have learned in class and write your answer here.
9:25
